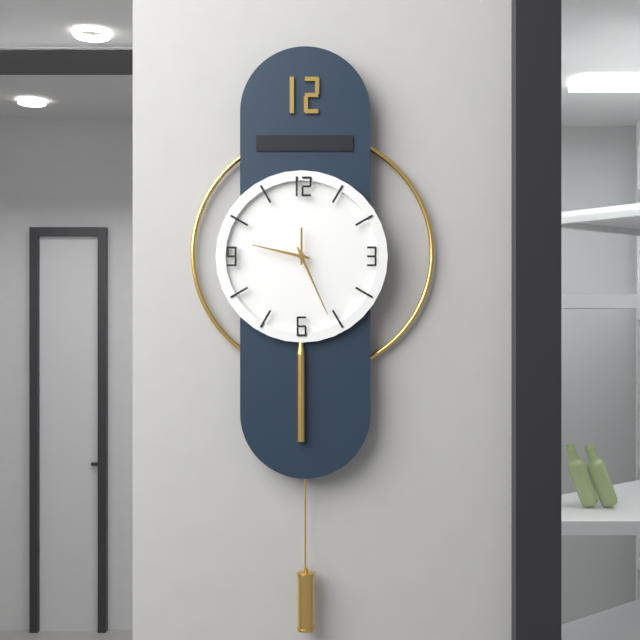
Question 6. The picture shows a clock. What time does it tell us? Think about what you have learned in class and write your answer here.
9:26
